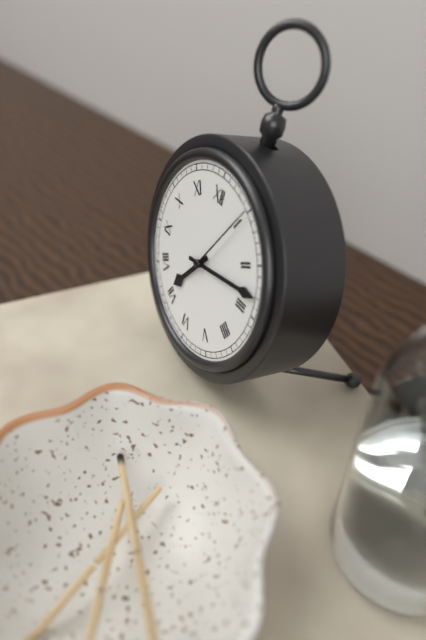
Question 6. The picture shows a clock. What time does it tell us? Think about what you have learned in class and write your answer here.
7:13:05
